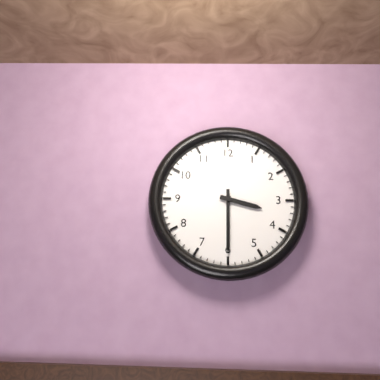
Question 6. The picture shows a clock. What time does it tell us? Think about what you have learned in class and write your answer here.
3:30
